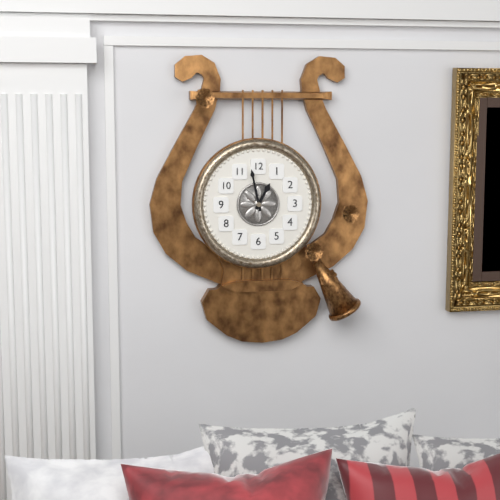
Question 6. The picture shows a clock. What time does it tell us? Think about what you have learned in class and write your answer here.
12:58
